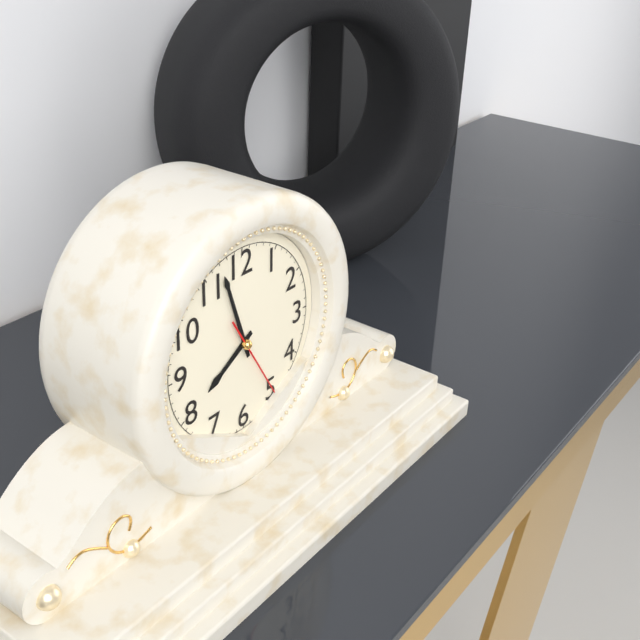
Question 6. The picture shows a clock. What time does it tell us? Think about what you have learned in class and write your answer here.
7:57:25
